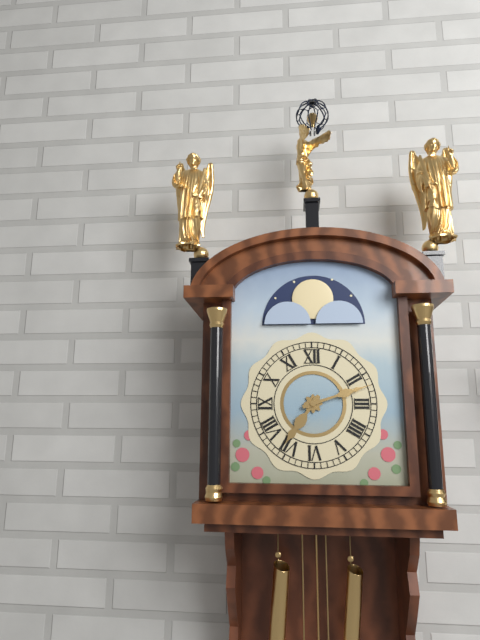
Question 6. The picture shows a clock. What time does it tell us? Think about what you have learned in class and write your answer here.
7:12
